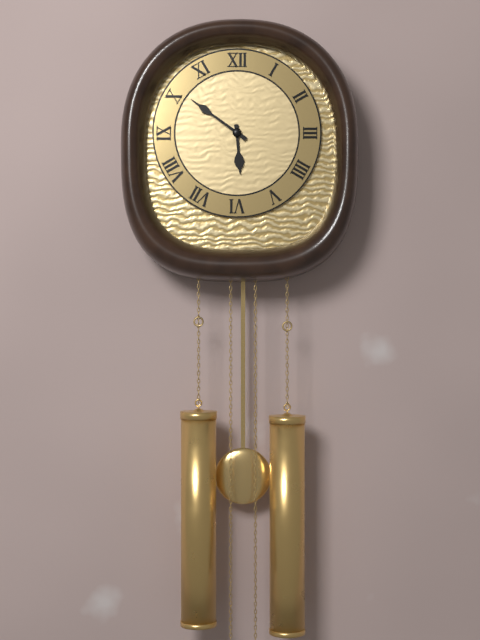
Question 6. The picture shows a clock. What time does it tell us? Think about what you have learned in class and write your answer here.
5:51
